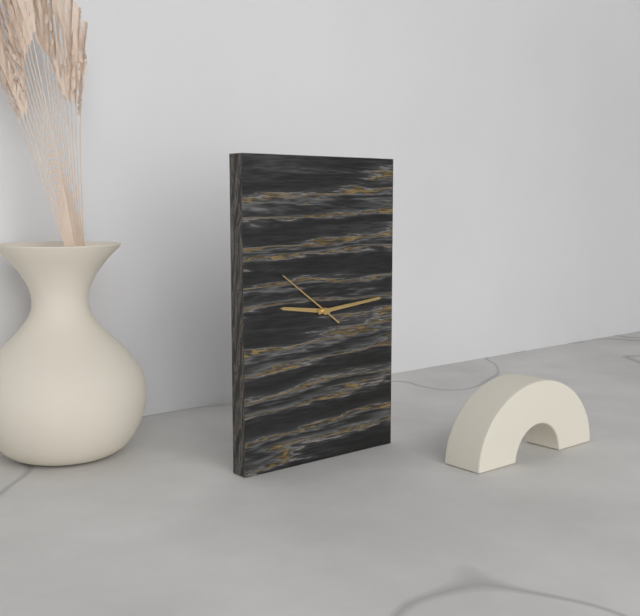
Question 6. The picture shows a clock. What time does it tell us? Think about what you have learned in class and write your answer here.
9:14:51
